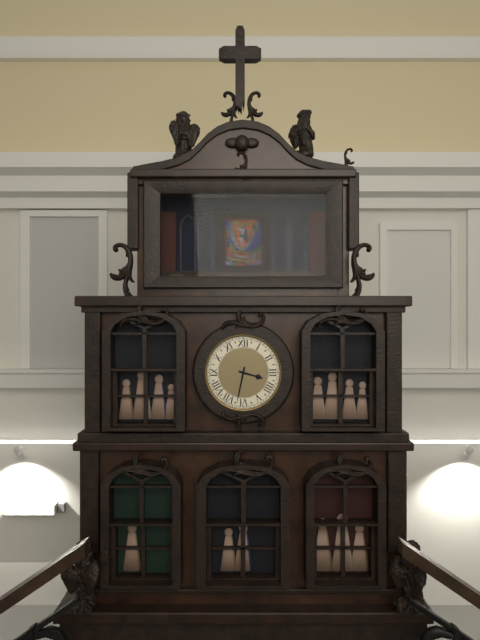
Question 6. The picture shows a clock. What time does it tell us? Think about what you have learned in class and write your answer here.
3:32
